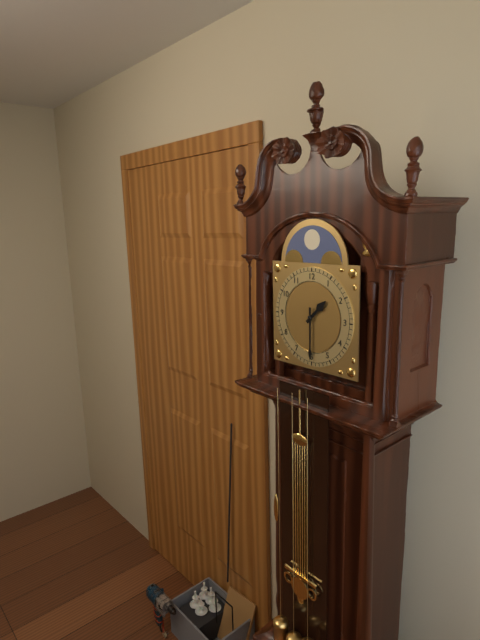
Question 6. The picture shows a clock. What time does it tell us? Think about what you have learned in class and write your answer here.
1:30
